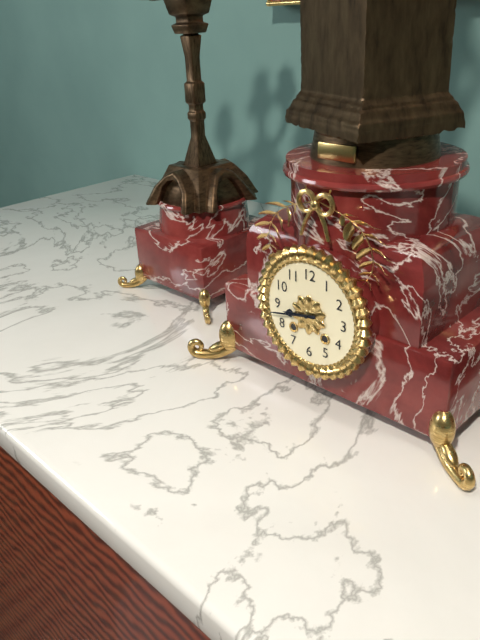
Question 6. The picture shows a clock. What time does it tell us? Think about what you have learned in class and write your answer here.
8:43
